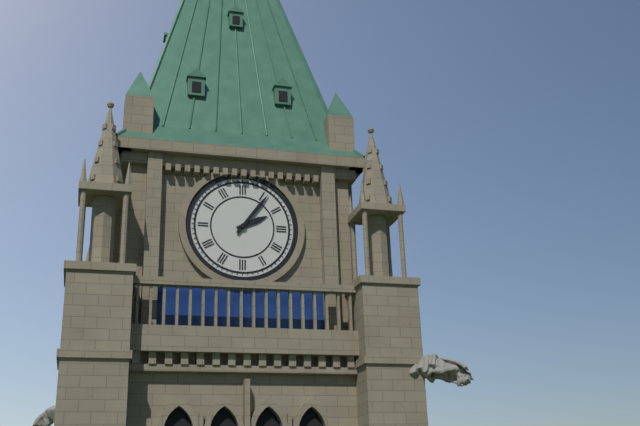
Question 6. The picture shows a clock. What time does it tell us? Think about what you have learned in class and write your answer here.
2:06
